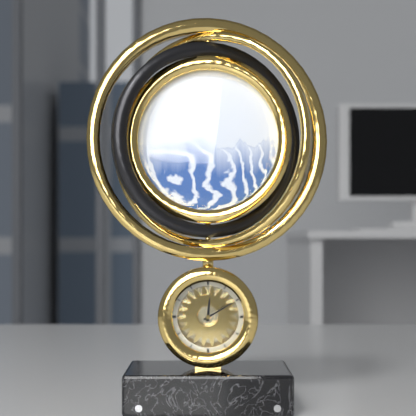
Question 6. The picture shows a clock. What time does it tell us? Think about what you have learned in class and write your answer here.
12:10
